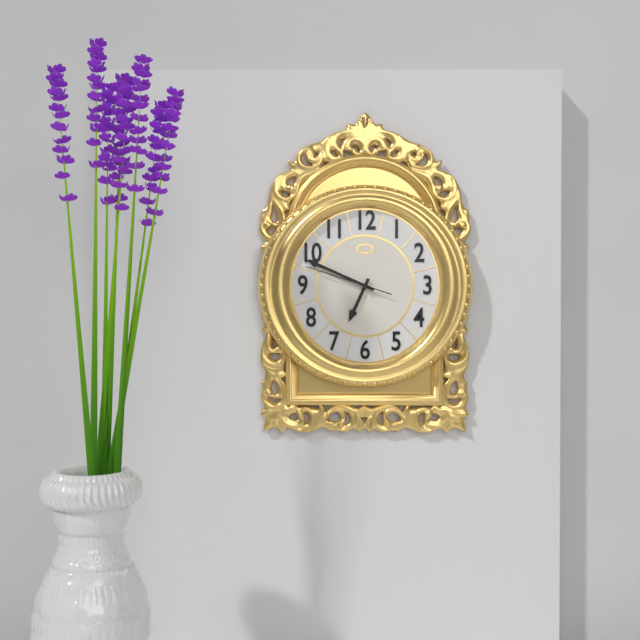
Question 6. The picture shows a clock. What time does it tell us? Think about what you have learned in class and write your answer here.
6:49:48
